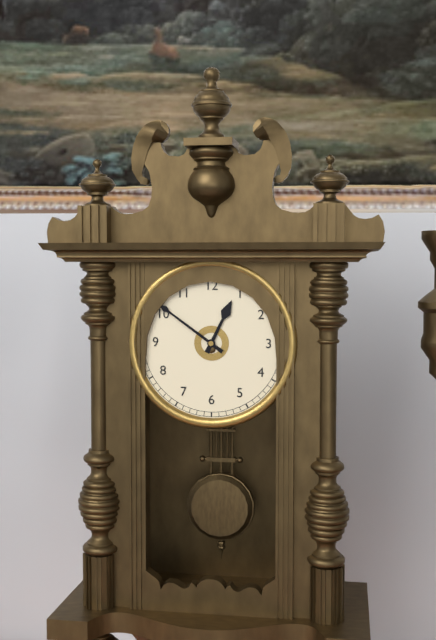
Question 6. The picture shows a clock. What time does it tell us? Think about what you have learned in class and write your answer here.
12:51
